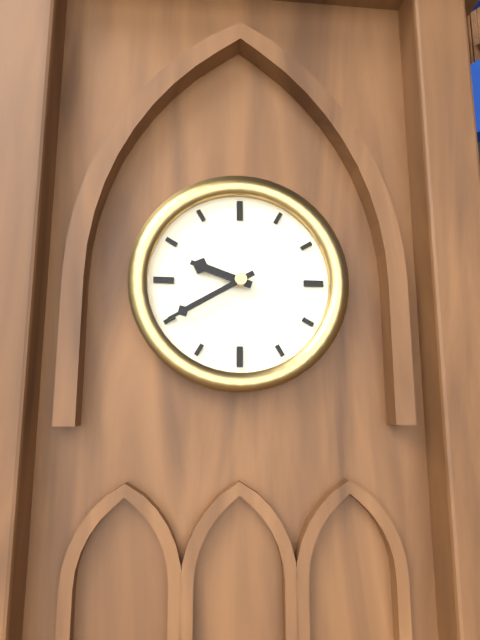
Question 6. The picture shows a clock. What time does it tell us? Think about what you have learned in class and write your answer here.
9:40
